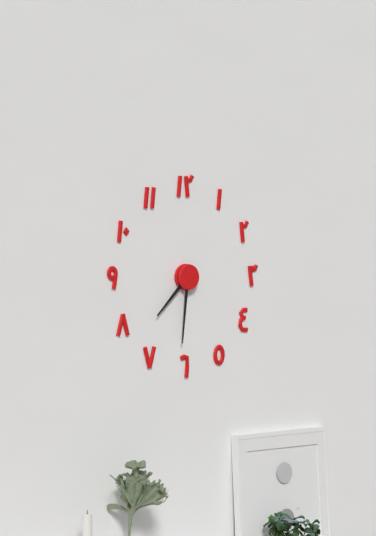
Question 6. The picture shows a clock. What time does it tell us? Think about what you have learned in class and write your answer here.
7:31
